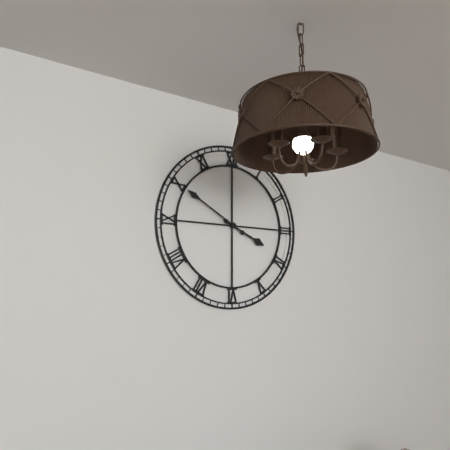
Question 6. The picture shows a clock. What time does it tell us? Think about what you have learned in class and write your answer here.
3:50
